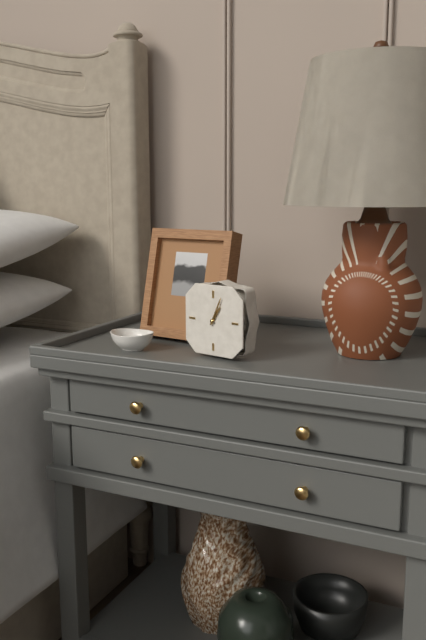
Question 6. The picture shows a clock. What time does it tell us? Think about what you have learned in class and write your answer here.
1:04
